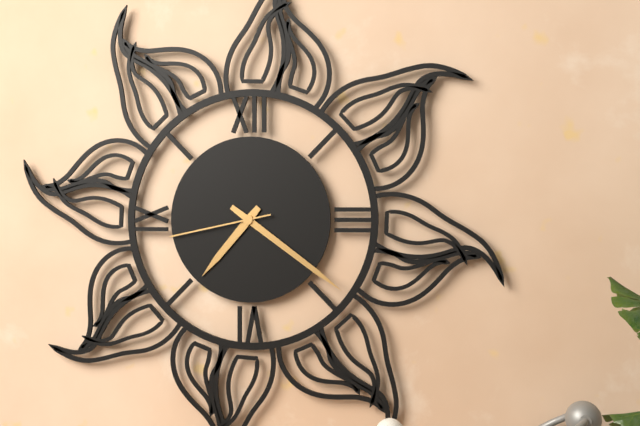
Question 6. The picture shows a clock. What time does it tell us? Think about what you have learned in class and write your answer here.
7:21:43
